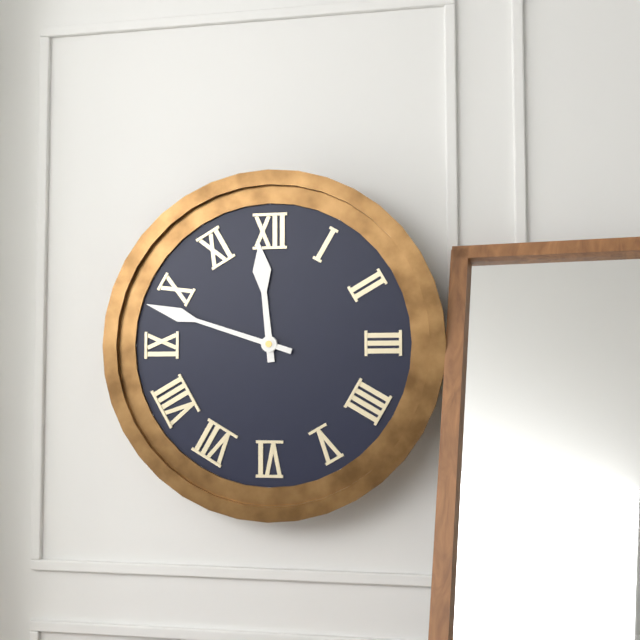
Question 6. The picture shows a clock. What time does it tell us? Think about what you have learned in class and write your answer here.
11:48
